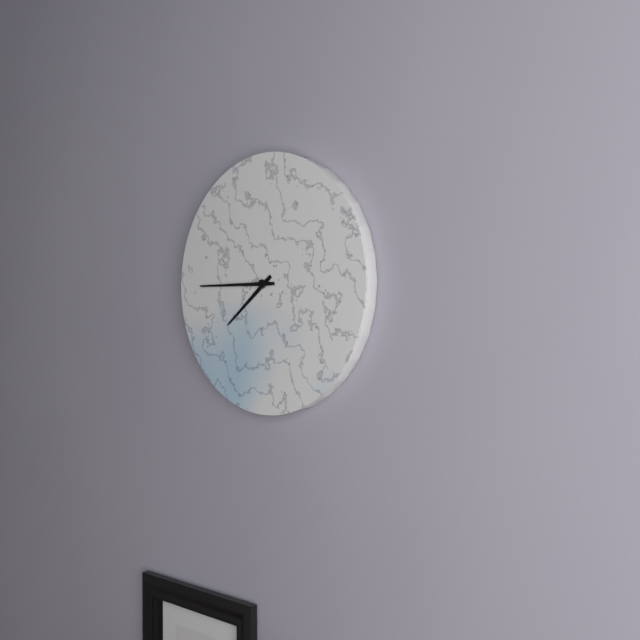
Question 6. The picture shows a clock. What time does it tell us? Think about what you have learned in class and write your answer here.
7:45
